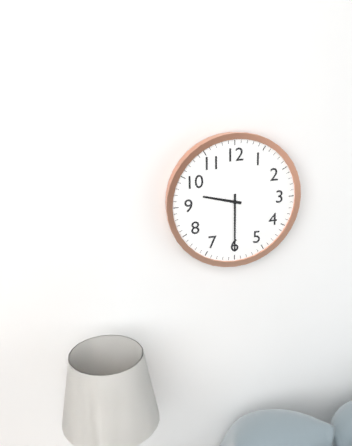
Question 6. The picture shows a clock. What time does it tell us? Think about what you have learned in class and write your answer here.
9:30
